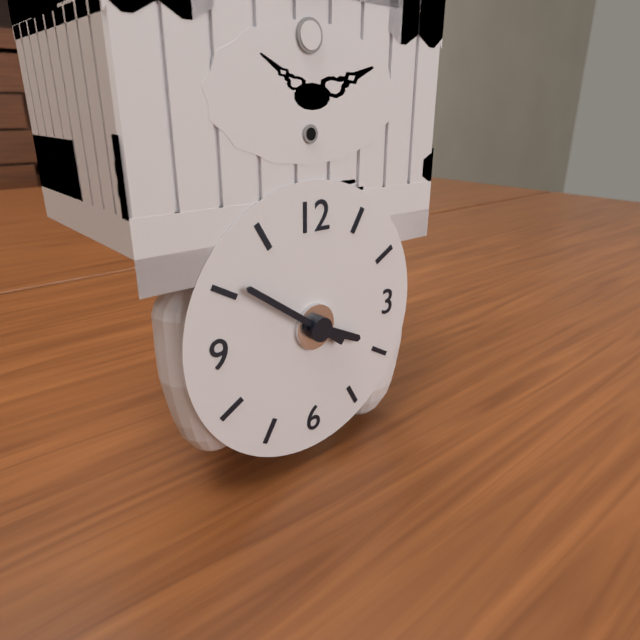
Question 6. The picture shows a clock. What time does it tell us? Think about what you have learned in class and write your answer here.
3:51
